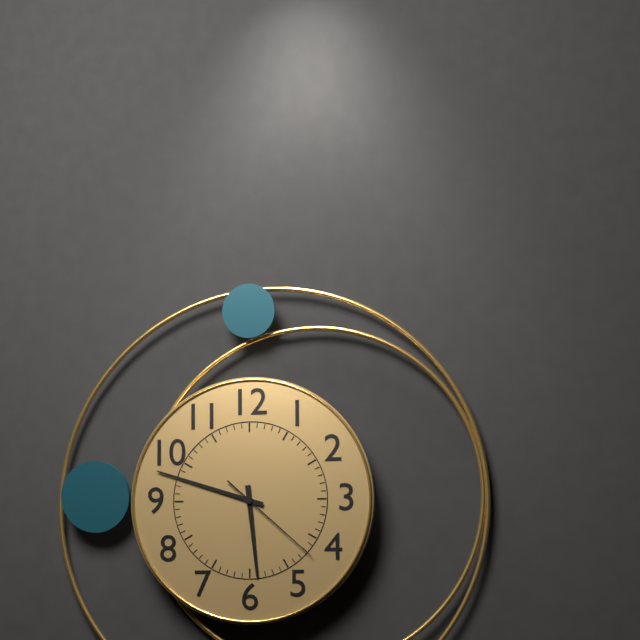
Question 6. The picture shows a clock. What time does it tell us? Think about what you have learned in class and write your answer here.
5:48:22
